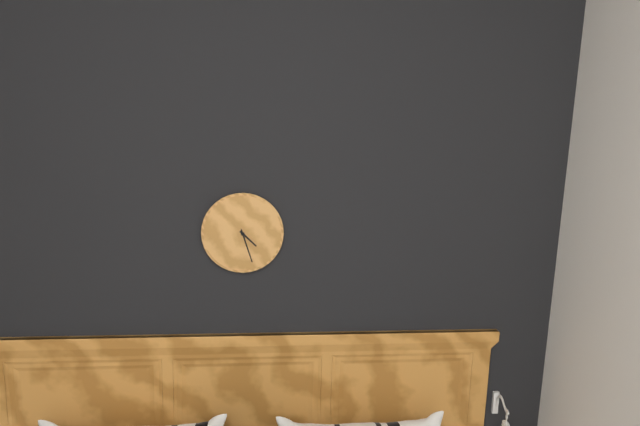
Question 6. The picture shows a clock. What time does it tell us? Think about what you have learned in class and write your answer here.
4:27
